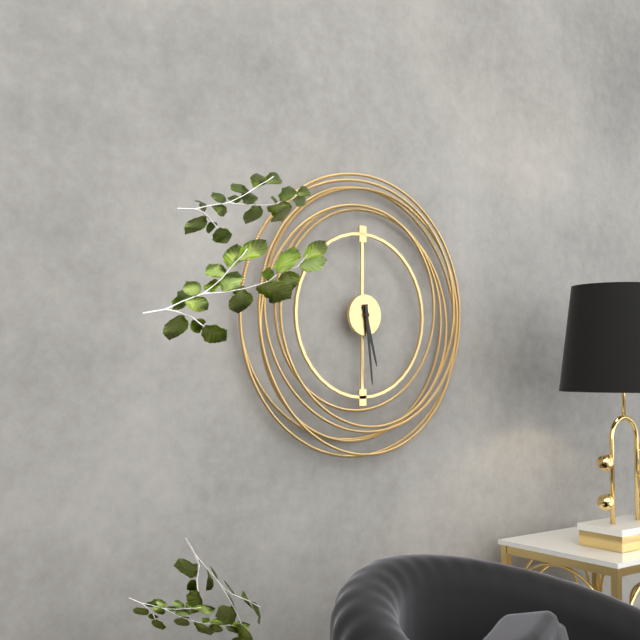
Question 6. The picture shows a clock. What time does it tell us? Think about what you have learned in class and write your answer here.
5:29
